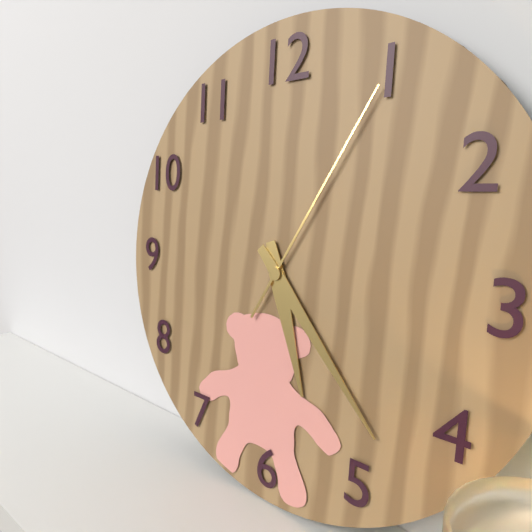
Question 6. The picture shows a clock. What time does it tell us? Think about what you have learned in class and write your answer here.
5:23:05
